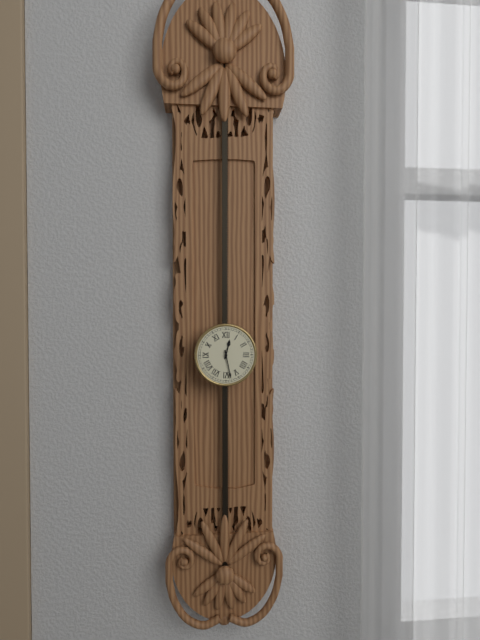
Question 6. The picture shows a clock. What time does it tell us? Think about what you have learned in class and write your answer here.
12:28
